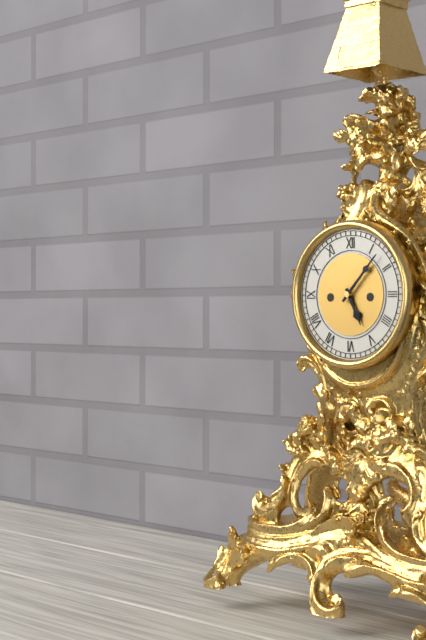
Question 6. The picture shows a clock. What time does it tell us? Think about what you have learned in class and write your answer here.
5:07
